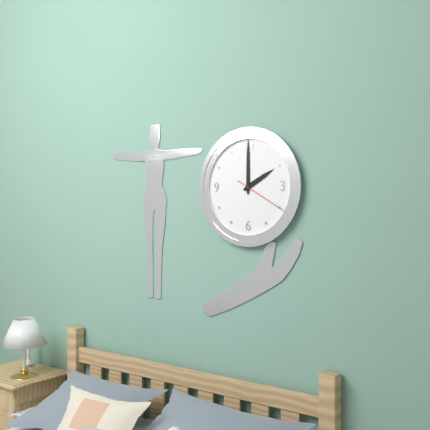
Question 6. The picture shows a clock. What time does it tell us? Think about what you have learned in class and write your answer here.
2:00:20
